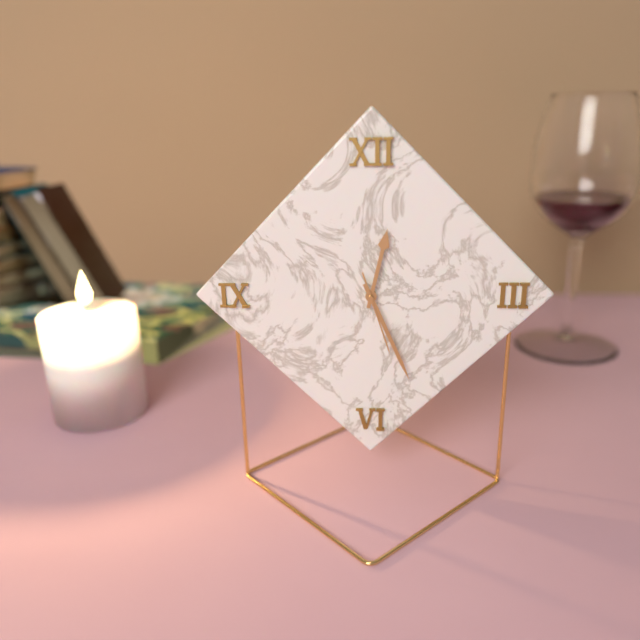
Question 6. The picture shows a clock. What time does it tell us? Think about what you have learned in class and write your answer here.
12:26:27
